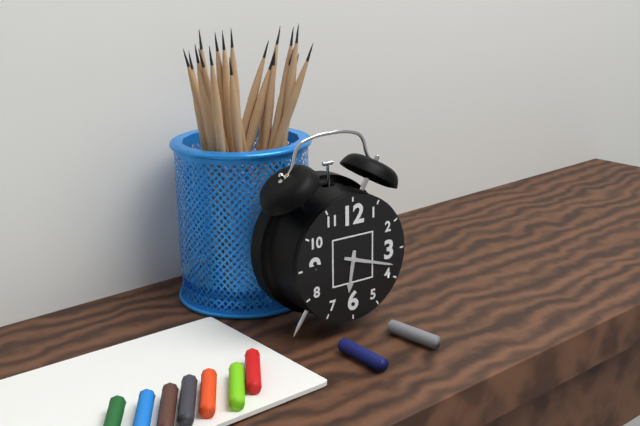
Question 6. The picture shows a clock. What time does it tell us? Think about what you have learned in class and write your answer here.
6:18
